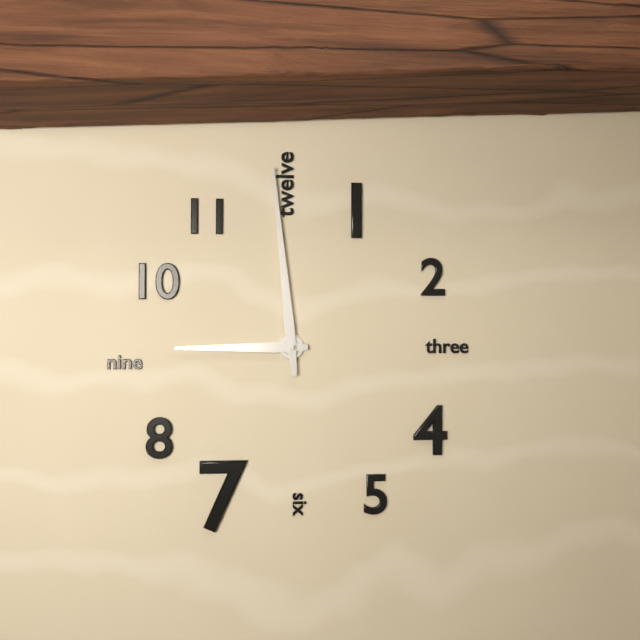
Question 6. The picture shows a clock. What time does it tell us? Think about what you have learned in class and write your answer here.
8:59
